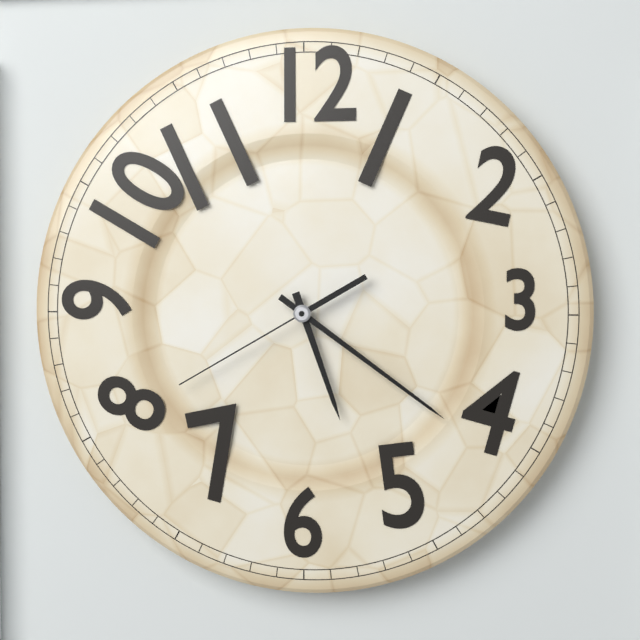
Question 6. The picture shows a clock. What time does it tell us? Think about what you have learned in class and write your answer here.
5:21:40
